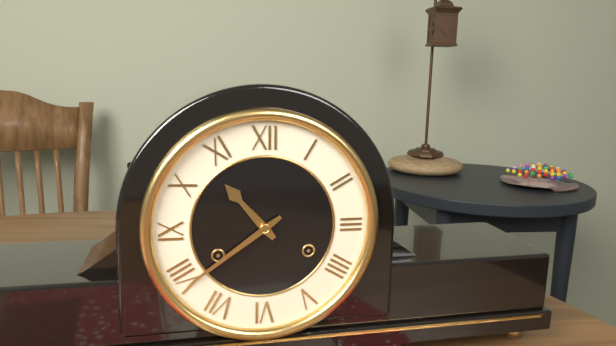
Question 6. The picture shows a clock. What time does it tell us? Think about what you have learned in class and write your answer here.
10:39
